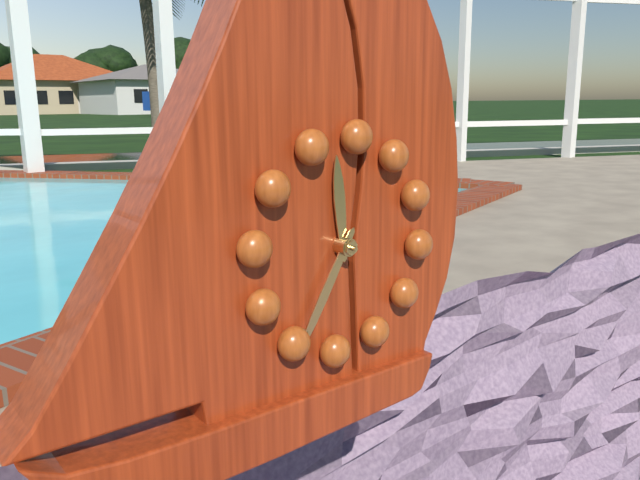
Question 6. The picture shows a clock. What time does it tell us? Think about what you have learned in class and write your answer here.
11:34
